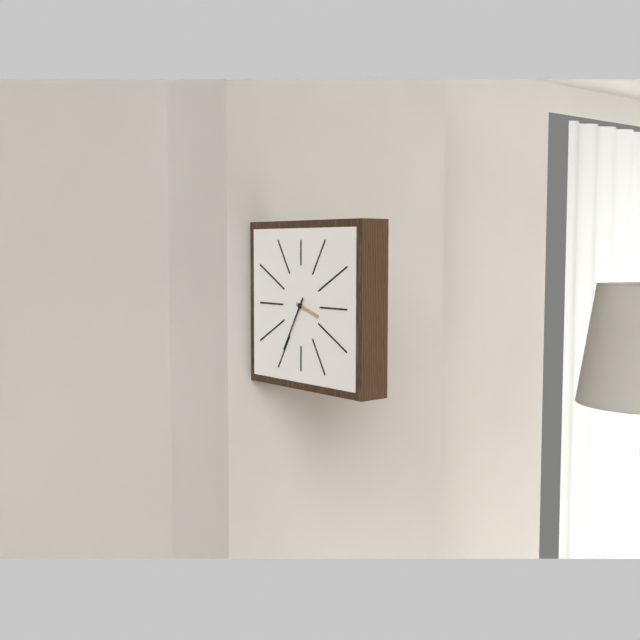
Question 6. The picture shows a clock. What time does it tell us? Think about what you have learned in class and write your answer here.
3:35
